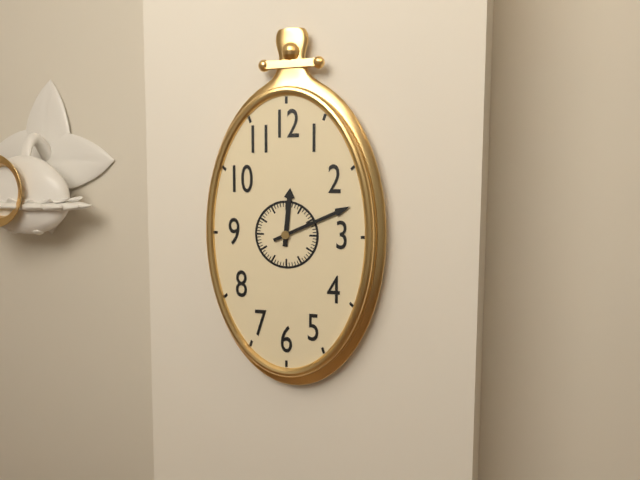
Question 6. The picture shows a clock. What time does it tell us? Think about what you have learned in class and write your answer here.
12:11
